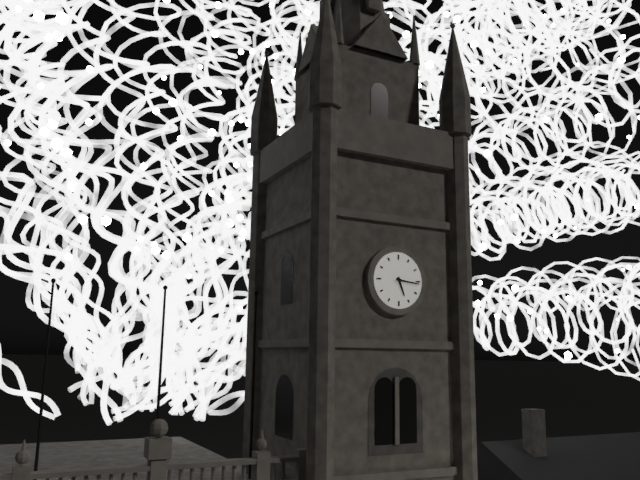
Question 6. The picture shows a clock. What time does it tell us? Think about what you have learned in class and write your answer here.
5:16
